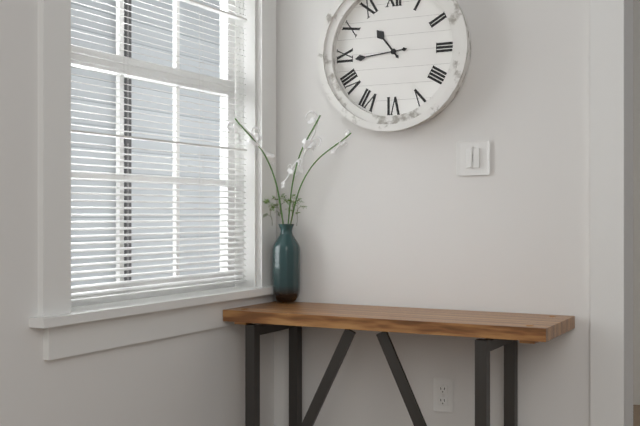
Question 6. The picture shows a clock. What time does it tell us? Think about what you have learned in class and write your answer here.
10:44
